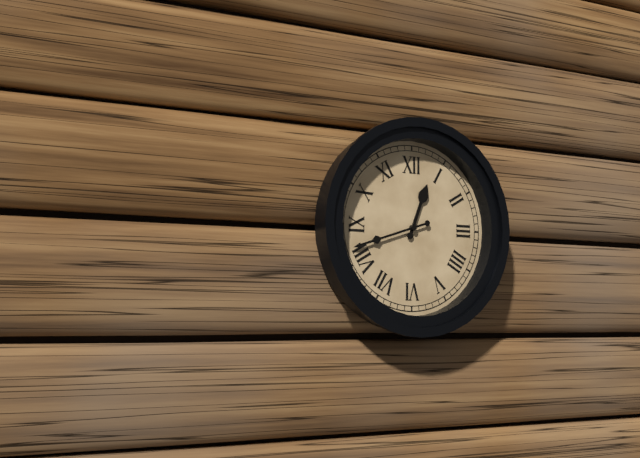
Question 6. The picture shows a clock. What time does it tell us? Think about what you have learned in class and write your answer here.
12:42
